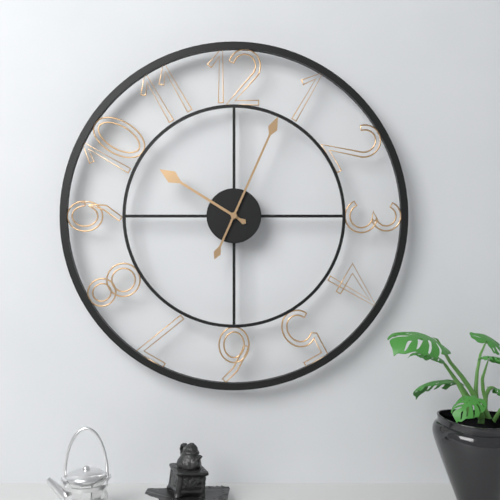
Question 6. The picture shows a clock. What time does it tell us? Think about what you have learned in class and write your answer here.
10:04
